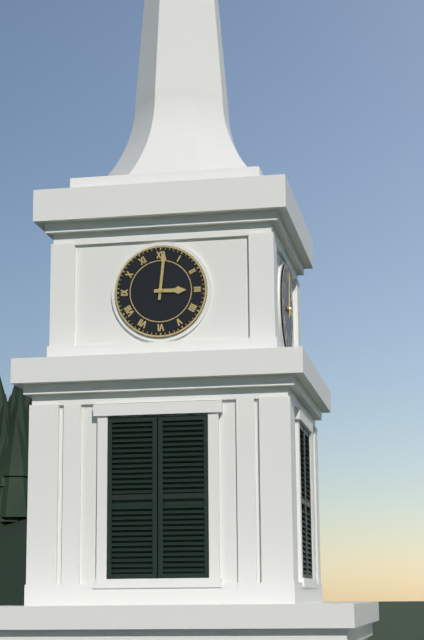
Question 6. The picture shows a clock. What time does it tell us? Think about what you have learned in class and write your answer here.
3:01
